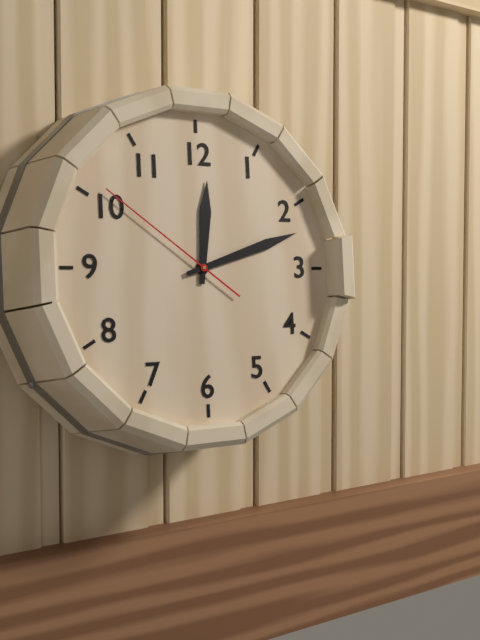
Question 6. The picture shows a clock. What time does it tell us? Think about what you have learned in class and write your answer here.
12:12:51
